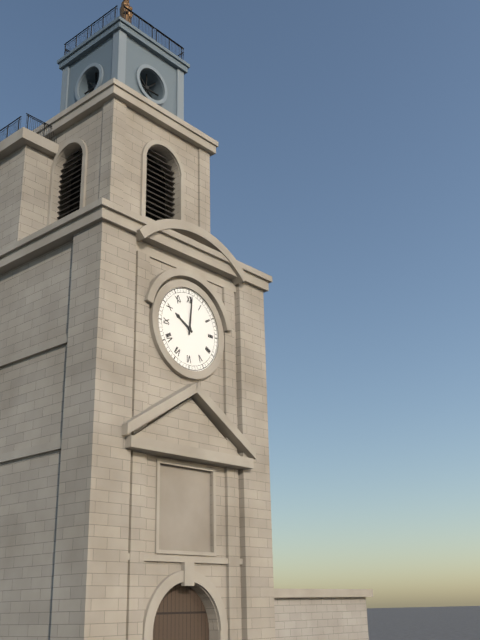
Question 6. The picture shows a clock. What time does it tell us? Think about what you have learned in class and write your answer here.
10:01
